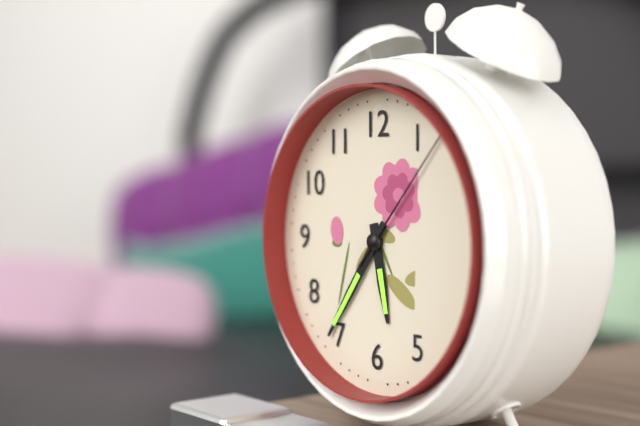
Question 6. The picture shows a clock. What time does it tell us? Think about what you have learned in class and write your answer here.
5:36:07
